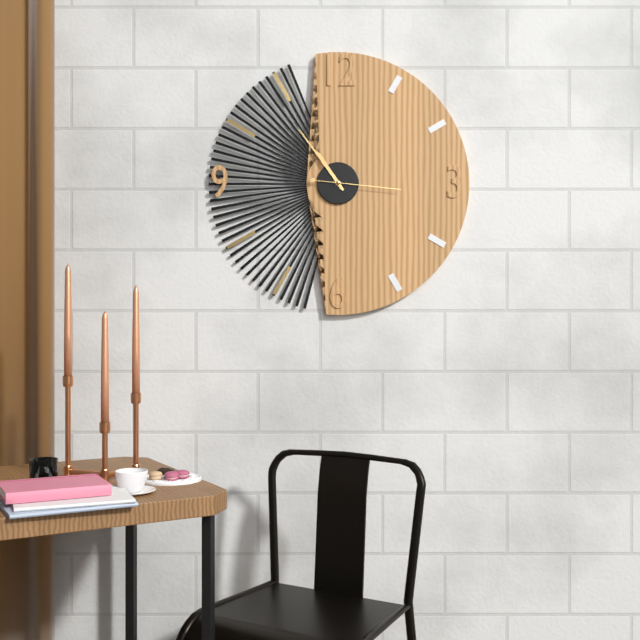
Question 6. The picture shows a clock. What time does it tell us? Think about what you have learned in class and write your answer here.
10:54:16
